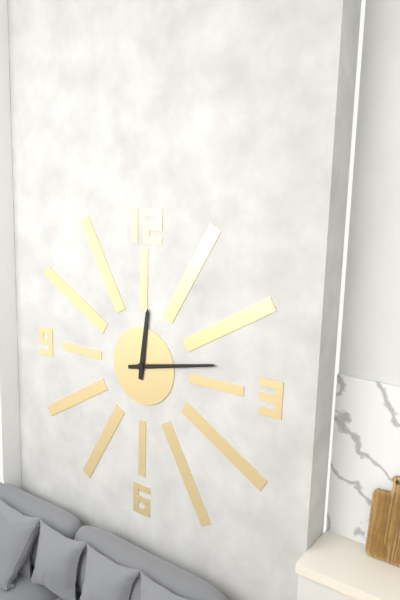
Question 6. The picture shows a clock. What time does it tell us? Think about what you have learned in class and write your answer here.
12:13
